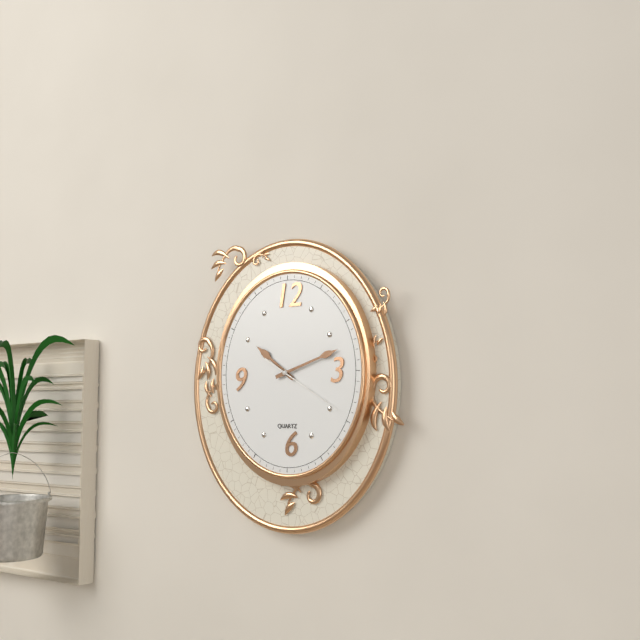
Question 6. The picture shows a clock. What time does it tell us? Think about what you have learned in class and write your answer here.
10:12:20
